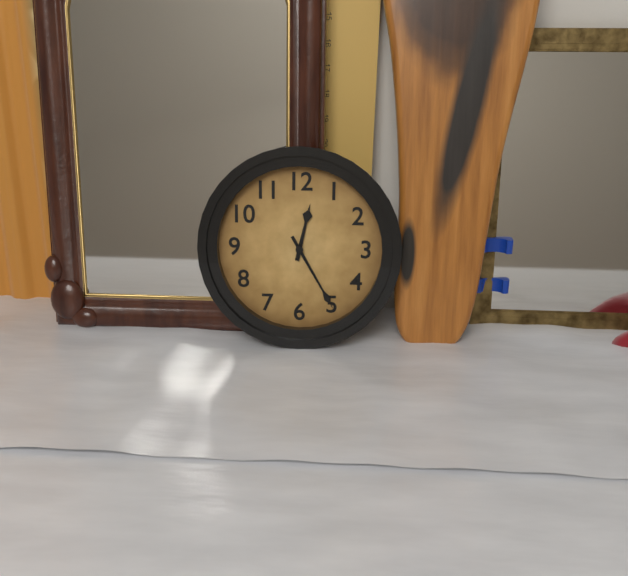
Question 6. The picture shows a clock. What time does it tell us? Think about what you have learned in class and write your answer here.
12:25
